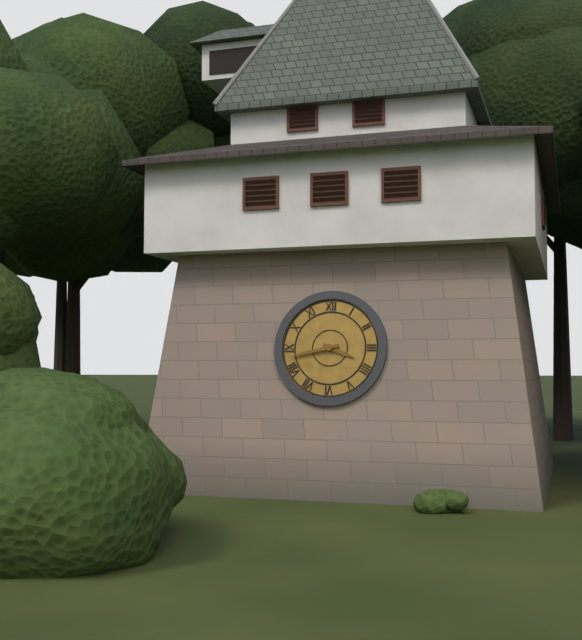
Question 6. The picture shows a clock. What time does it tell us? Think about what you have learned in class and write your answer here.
3:43
